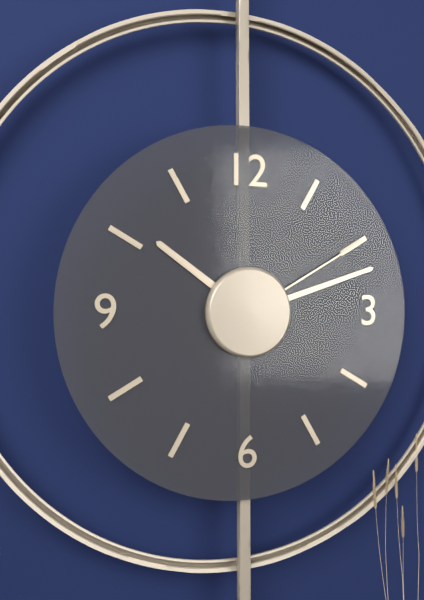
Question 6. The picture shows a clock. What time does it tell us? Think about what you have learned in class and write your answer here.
10:12:10
